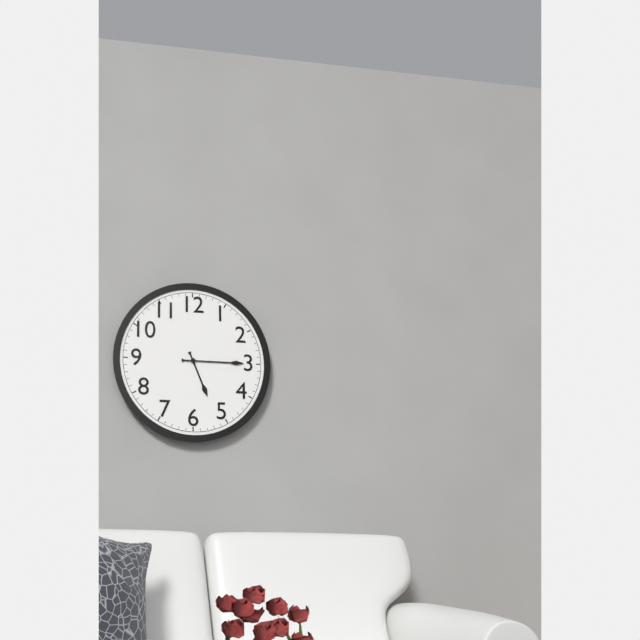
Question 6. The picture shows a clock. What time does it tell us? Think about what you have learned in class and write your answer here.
5:15
